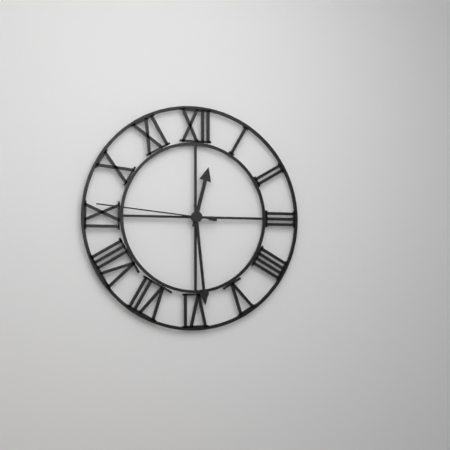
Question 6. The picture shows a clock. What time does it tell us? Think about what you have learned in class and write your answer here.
12:29:46
